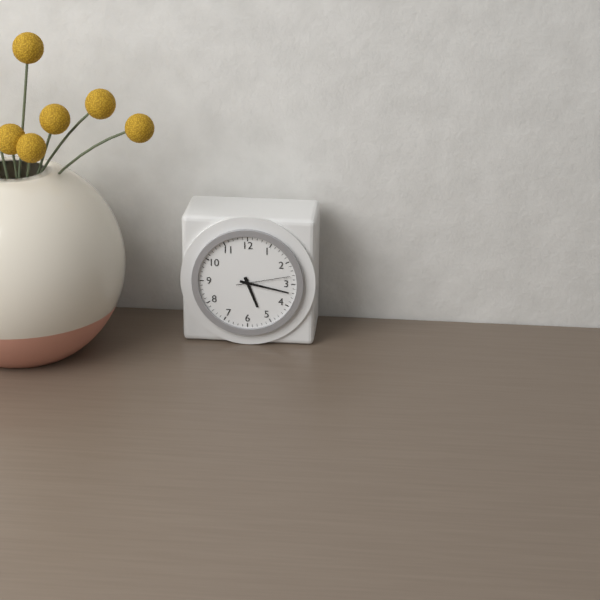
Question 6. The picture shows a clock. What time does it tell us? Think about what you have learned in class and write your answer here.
5:17:13
